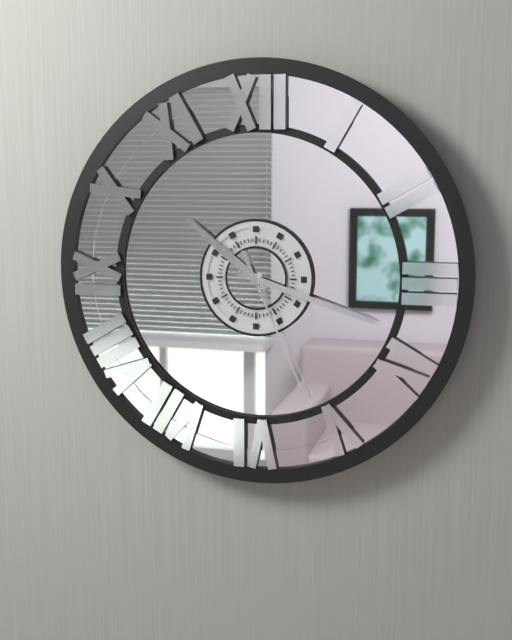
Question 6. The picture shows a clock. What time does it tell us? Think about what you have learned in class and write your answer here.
10:18:26
